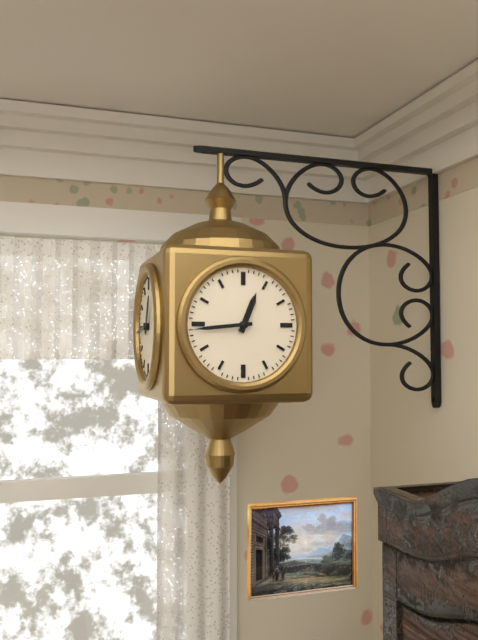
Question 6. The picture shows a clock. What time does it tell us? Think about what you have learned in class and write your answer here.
12:44
